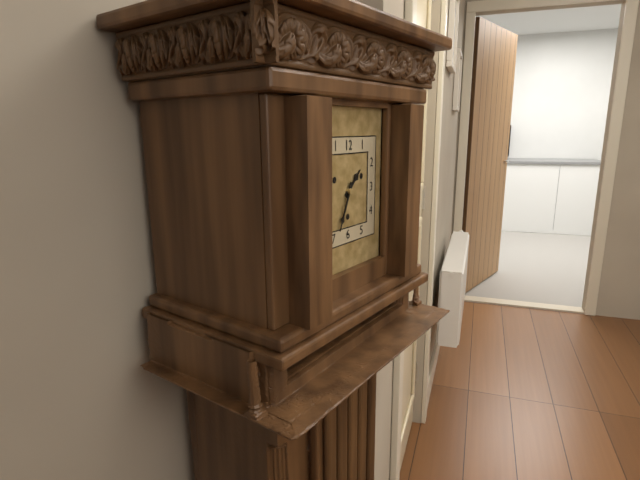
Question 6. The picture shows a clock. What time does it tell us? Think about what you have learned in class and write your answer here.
1:34
